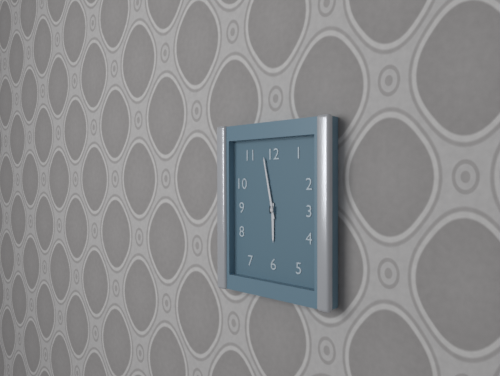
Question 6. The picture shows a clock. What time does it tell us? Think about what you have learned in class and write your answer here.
5:58
